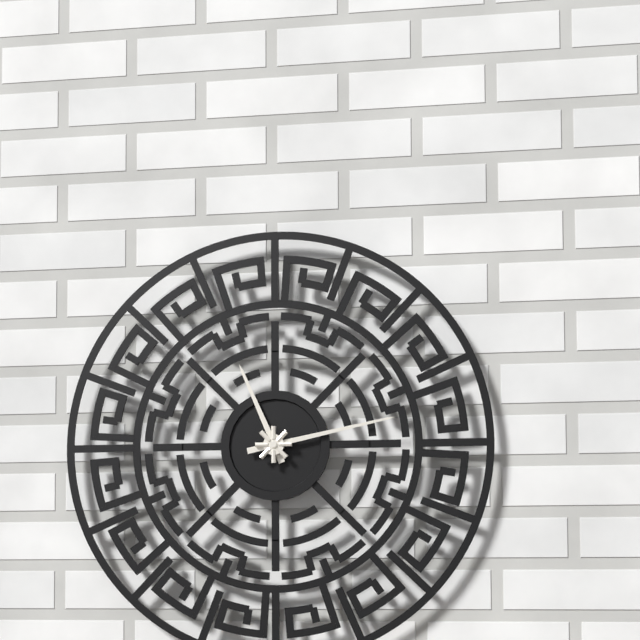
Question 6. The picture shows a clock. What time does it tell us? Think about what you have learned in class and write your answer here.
11:13
